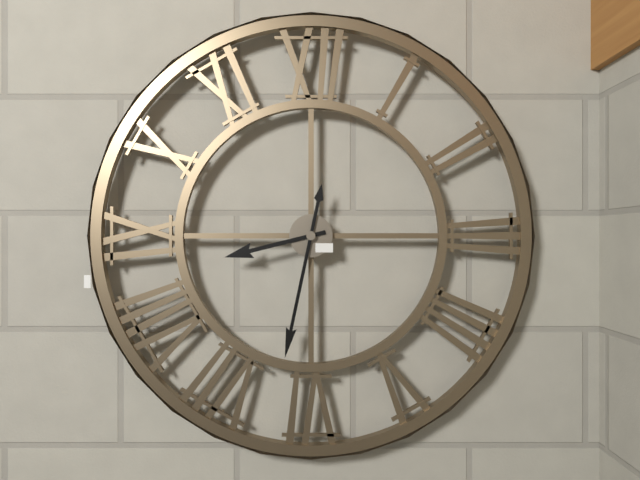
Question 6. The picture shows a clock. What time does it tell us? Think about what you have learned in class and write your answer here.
8:32
